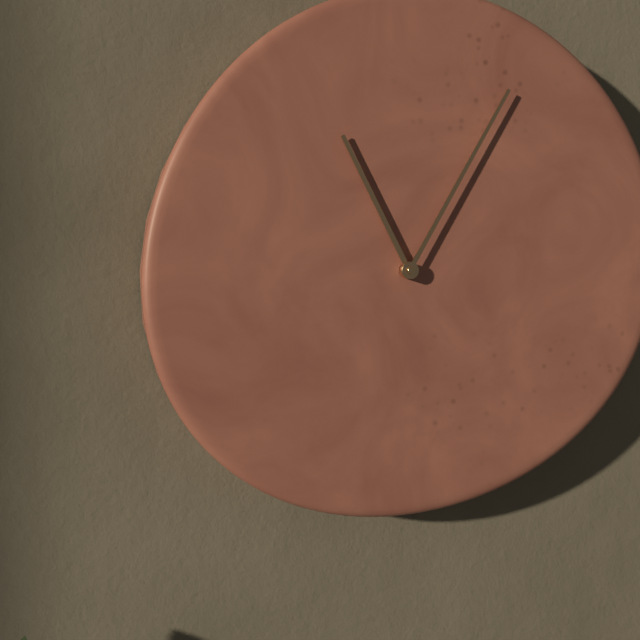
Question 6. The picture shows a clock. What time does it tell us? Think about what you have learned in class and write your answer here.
11:05
